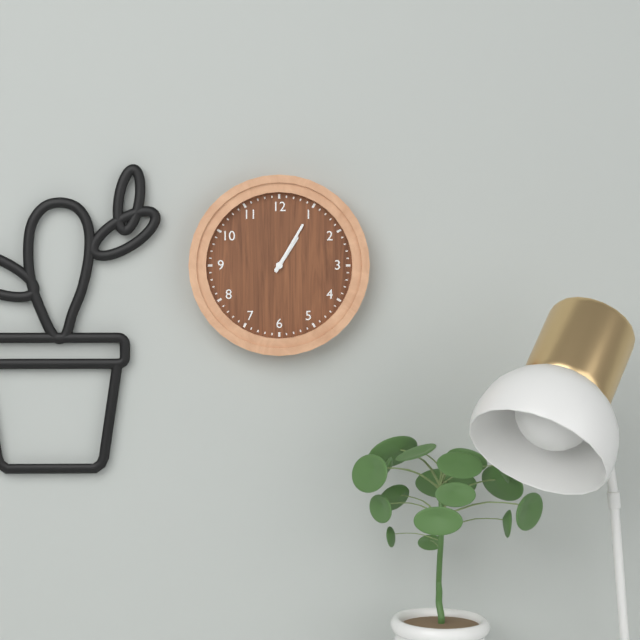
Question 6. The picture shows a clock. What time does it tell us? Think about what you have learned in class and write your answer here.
1:05
